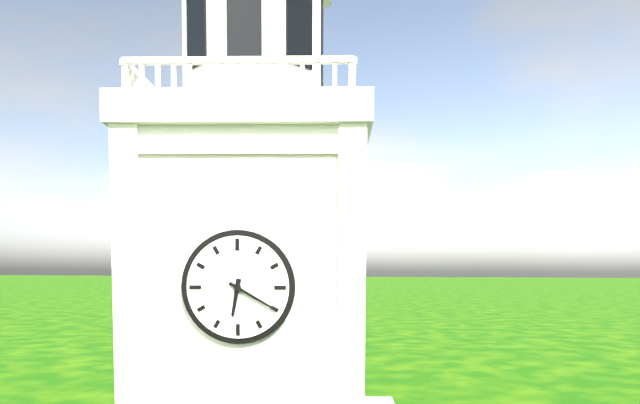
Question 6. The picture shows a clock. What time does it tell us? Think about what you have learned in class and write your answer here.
6:20
